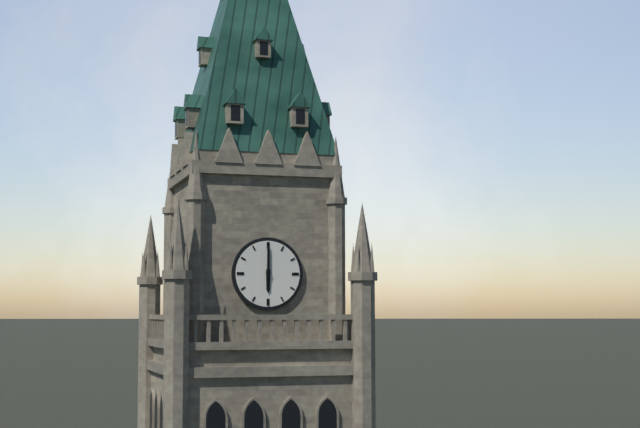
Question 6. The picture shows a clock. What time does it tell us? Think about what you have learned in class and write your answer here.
6:00
